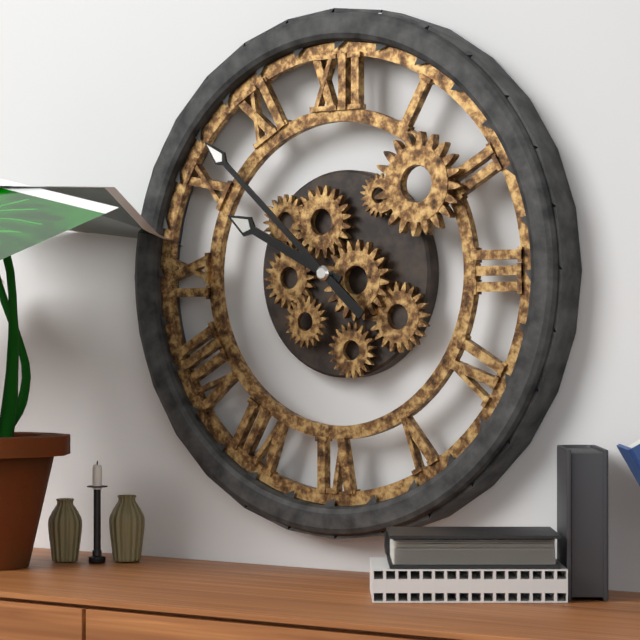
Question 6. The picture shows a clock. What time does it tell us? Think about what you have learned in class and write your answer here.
9:52
